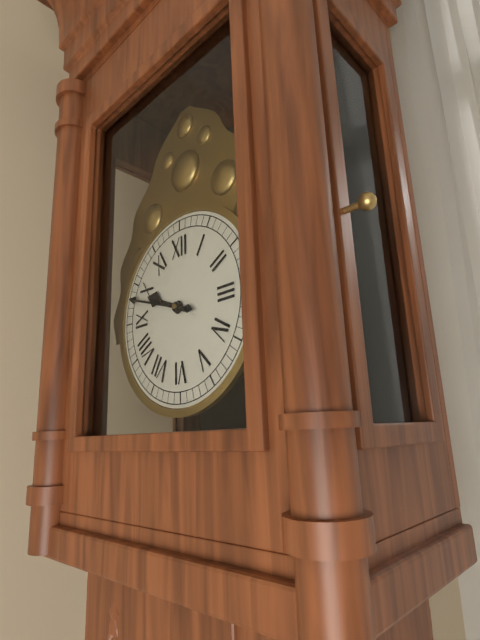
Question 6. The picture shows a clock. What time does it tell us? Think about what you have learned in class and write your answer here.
9:48
